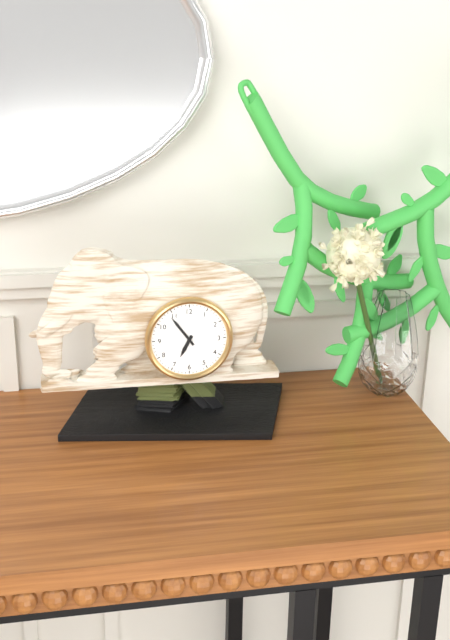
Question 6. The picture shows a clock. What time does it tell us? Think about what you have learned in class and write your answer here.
6:54
